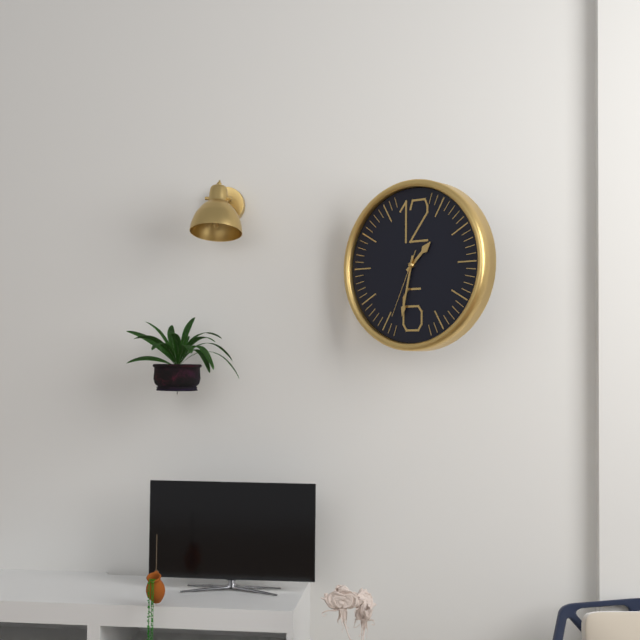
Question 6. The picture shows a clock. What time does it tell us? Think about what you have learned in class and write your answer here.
1:32:34
